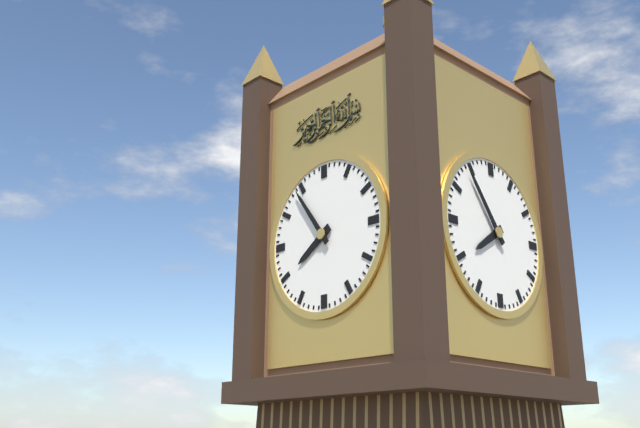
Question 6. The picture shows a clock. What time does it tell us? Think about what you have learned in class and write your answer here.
7:54
